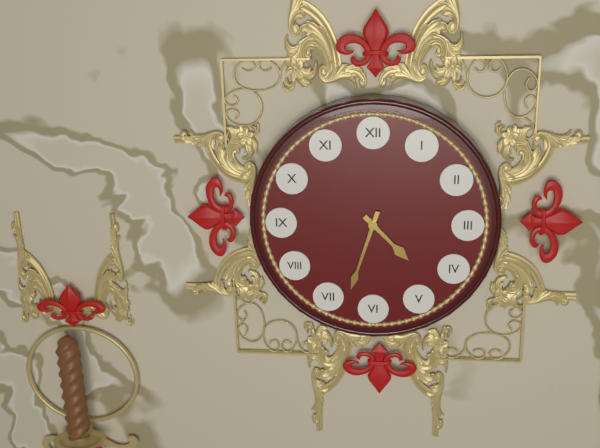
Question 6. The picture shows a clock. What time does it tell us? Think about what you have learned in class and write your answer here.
4:33
